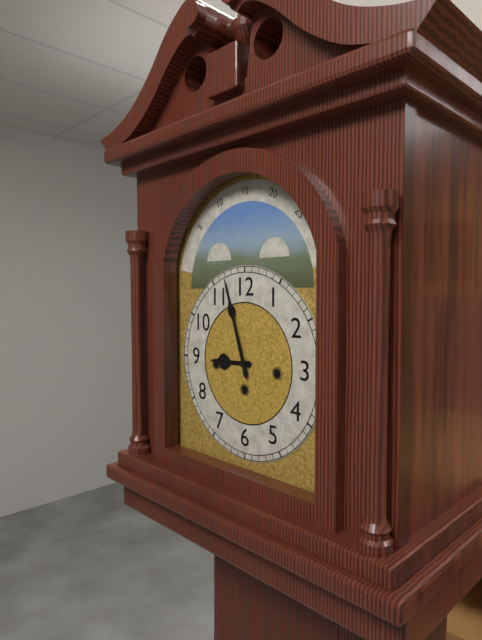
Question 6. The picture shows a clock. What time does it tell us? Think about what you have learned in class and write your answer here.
8:57
